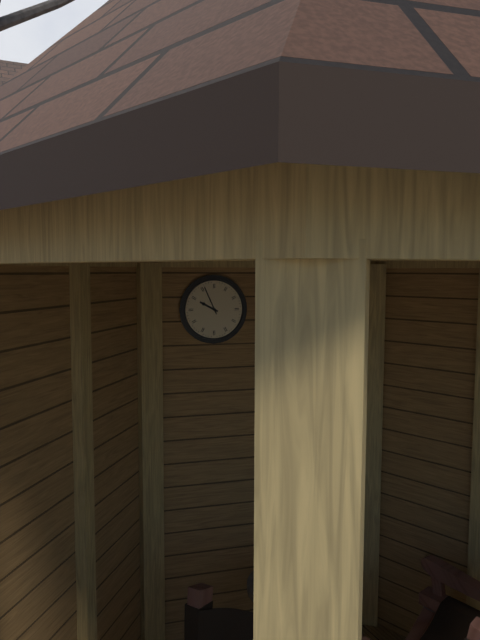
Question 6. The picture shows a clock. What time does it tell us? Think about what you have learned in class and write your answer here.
9:56
